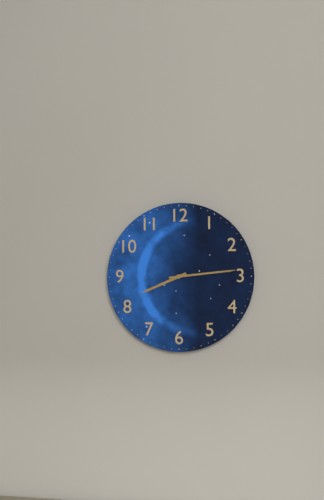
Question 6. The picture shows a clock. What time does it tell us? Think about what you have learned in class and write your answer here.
8:14
